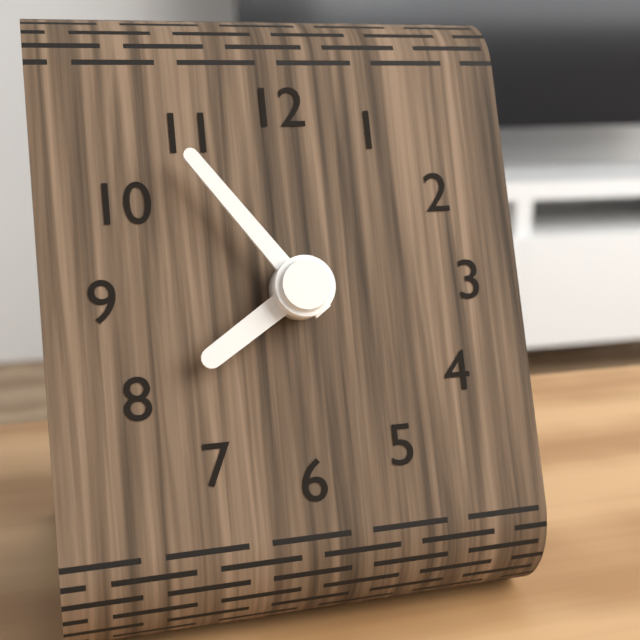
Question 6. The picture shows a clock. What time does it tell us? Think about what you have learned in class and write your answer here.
7:54
